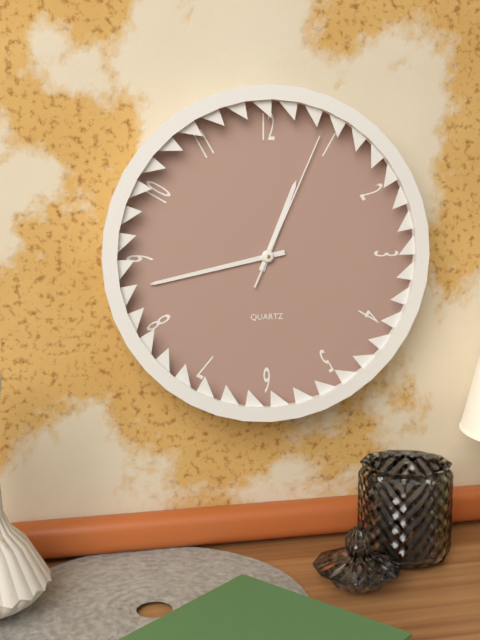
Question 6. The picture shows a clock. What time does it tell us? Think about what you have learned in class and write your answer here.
12:43:04
